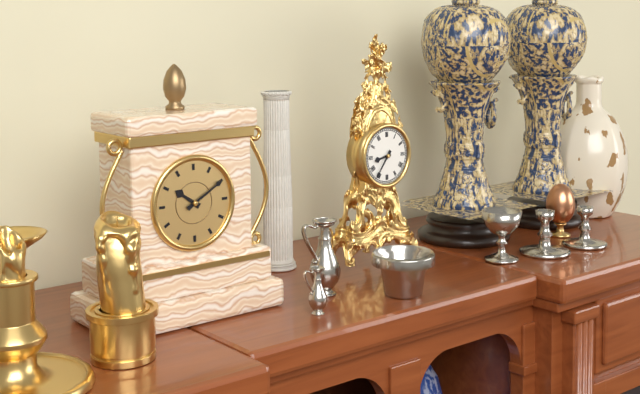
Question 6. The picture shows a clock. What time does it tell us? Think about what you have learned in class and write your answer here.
8:36
